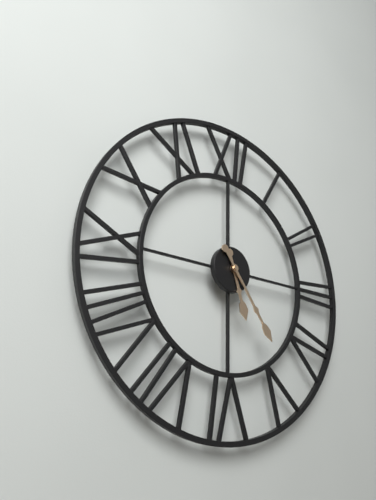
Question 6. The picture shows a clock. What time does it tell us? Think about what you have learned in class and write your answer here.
5:24
